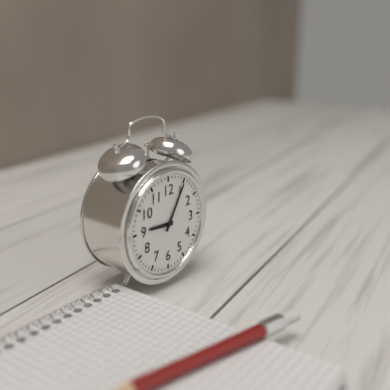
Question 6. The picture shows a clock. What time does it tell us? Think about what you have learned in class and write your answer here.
9:05
